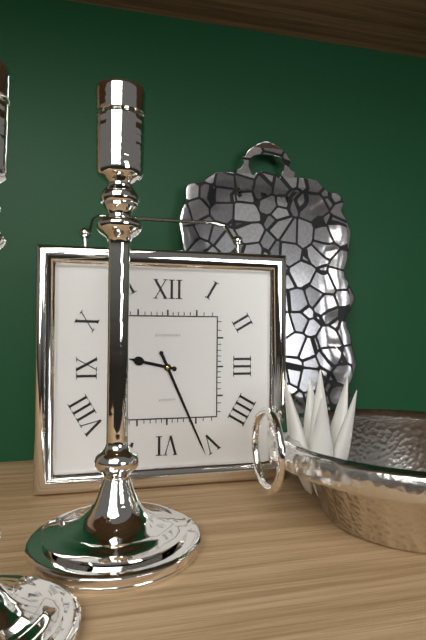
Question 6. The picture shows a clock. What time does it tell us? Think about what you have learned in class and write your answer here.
9:26
